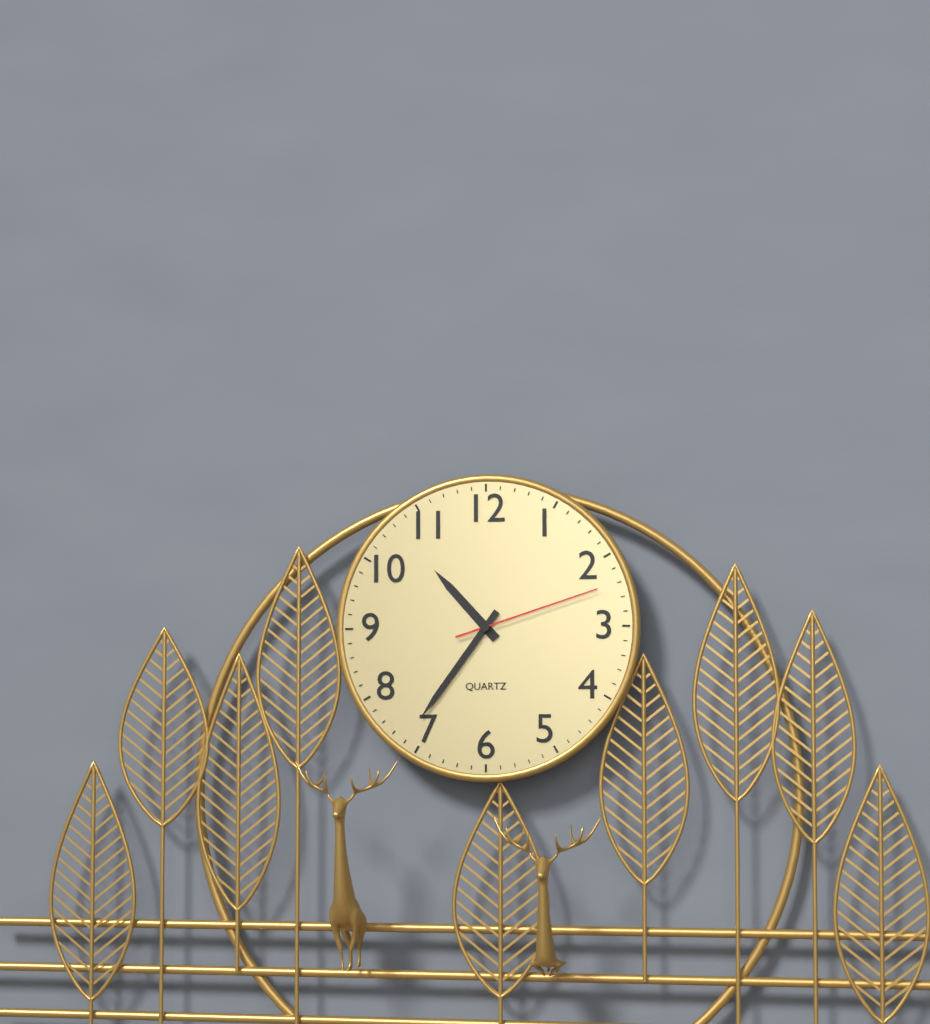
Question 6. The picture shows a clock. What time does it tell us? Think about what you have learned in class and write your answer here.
10:36:12
